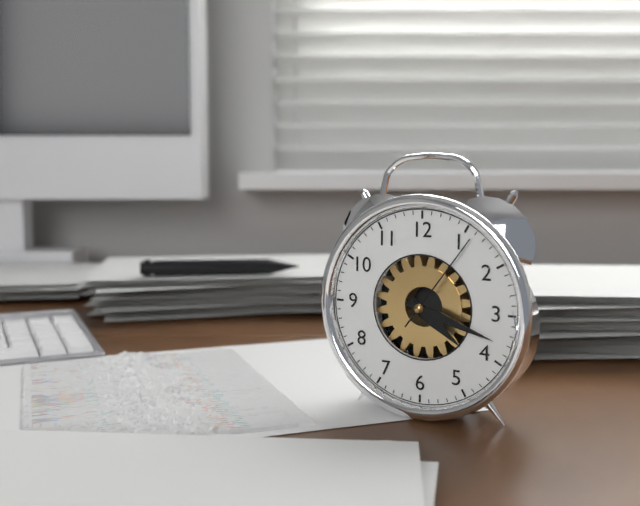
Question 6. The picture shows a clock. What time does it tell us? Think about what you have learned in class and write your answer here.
4:18:06
